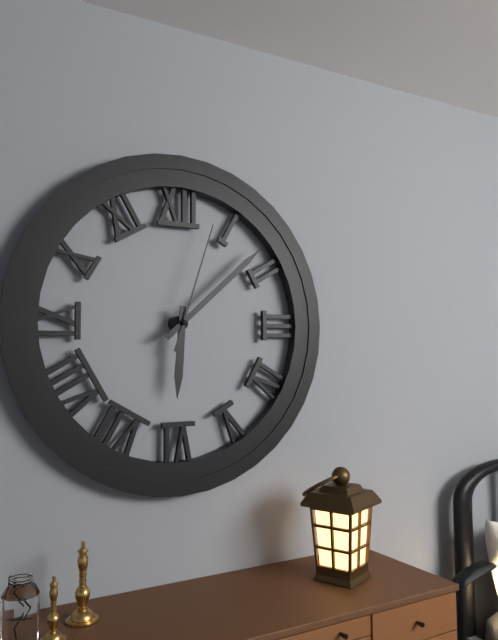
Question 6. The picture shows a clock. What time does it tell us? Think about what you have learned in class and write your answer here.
6:08:03
